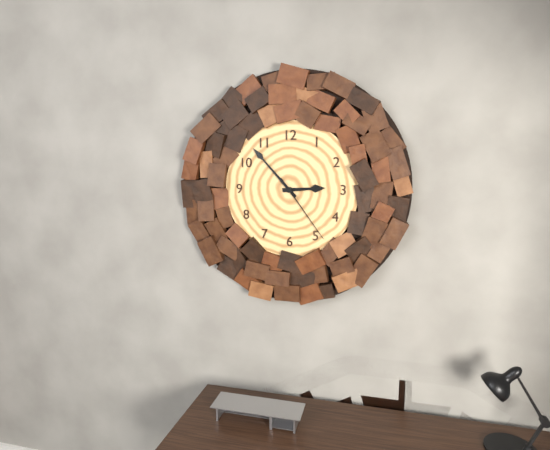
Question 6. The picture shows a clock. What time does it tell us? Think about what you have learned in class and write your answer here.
2:53:24
